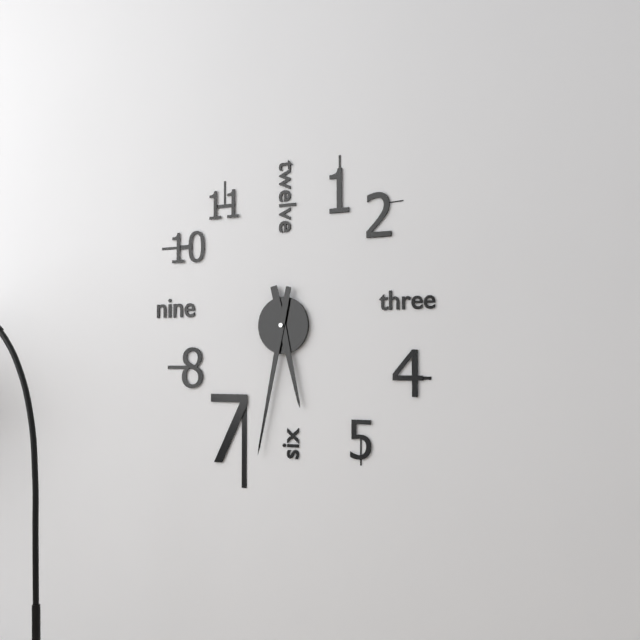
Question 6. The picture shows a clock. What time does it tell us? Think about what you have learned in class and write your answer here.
5:32
